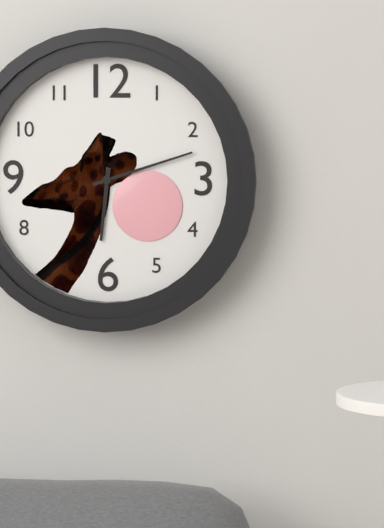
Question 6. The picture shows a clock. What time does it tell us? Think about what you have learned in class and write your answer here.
6:12
